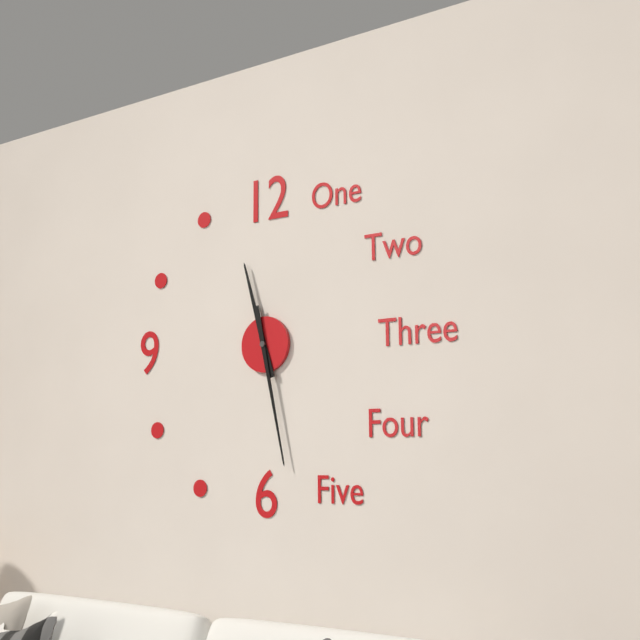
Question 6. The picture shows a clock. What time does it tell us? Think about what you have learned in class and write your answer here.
11:28
